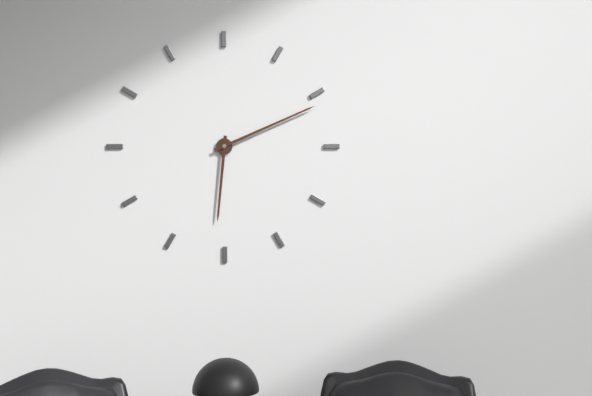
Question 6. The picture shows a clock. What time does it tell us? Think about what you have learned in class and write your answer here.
6:11
